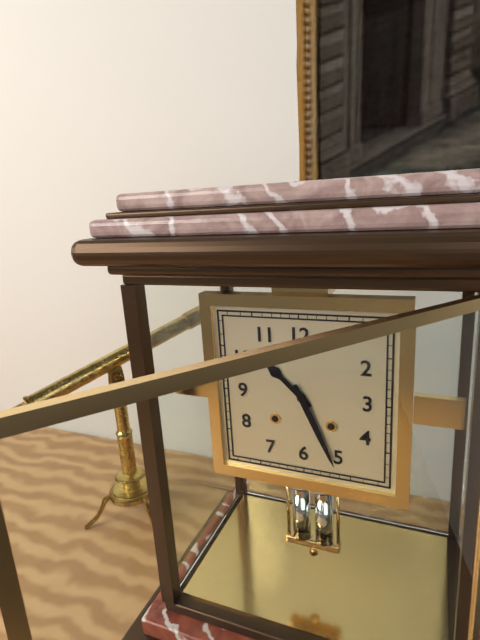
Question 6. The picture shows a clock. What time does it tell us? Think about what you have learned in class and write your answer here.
10:26
